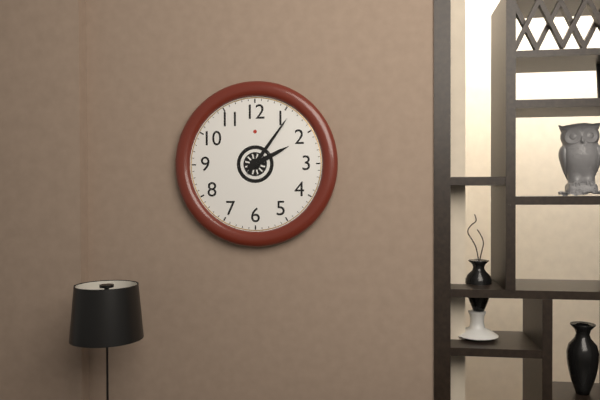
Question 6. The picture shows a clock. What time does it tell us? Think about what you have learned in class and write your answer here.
2:06
